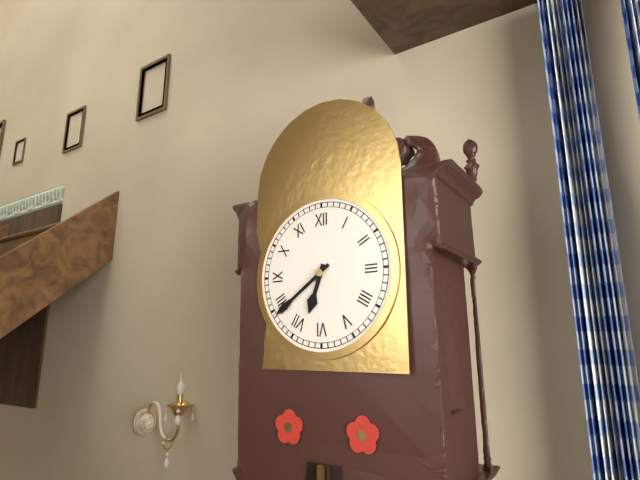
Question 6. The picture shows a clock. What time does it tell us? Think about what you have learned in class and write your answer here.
6:39
